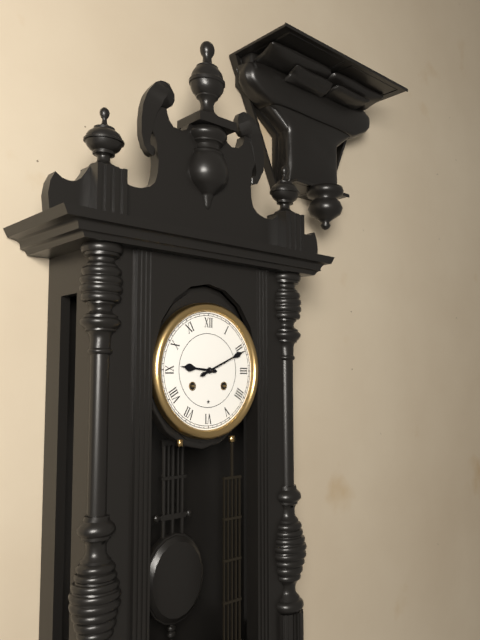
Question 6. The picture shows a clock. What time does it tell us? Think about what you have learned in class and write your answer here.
9:11
